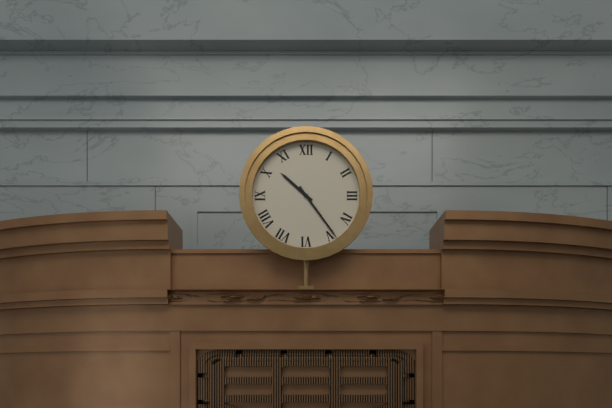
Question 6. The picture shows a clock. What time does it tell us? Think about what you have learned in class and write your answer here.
10:24
